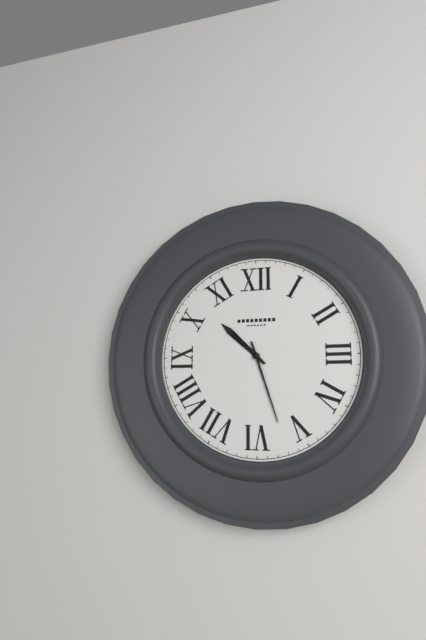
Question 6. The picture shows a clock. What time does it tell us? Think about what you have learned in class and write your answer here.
10:27
